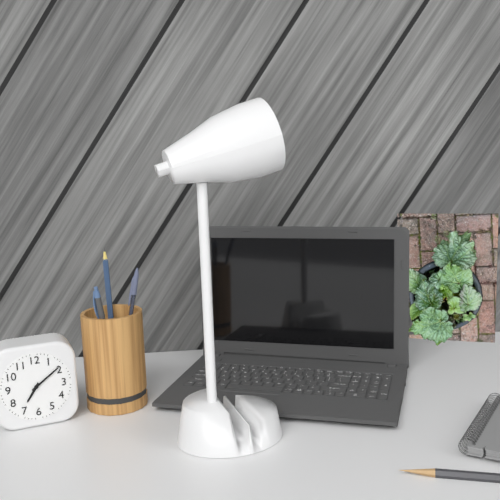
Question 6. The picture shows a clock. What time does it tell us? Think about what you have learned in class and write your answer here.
7:09
